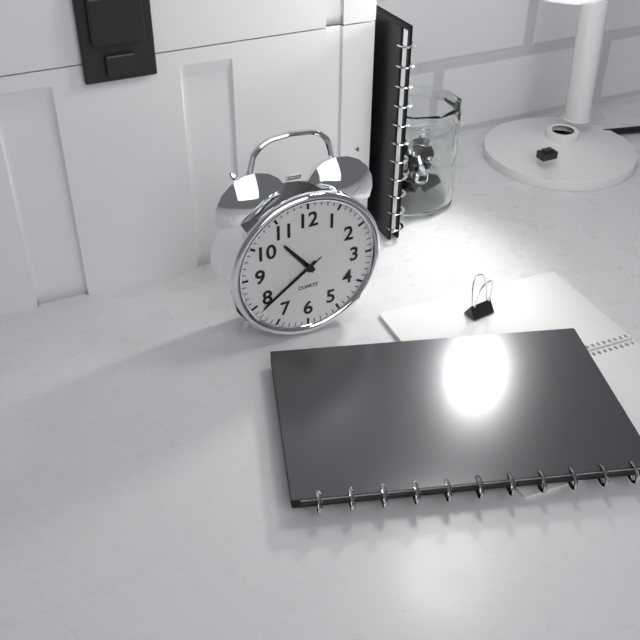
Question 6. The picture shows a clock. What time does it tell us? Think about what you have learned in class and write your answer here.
10:39:39
